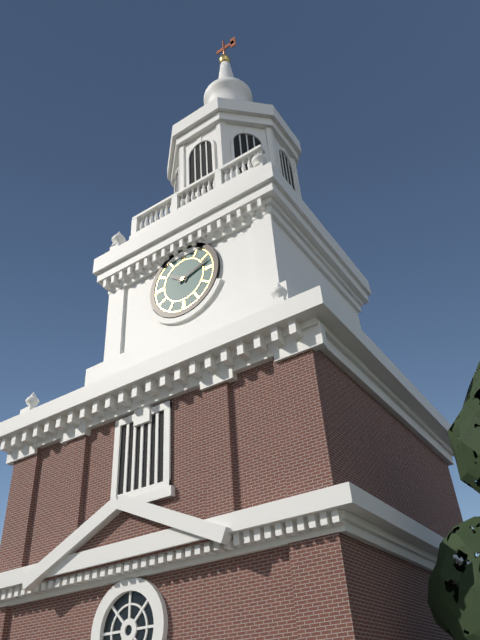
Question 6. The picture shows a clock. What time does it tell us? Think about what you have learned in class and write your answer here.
10:12
